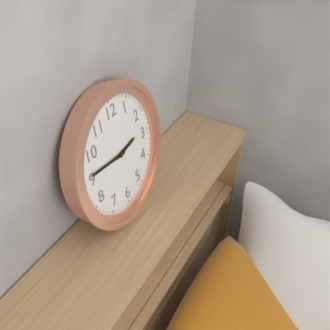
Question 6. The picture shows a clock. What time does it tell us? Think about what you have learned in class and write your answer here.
2:46
